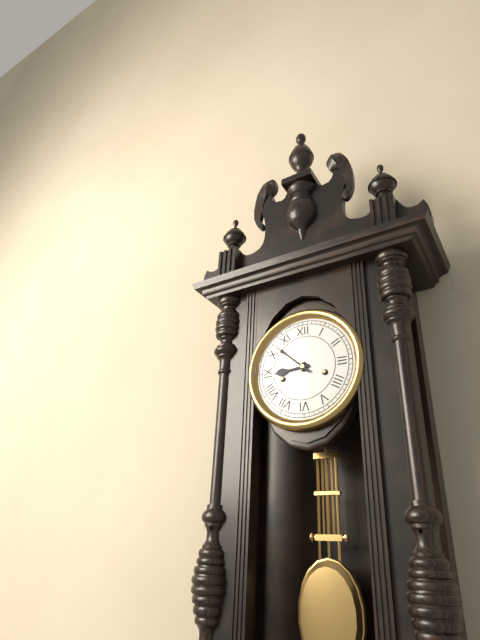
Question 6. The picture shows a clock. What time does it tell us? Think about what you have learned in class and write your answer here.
8:52
